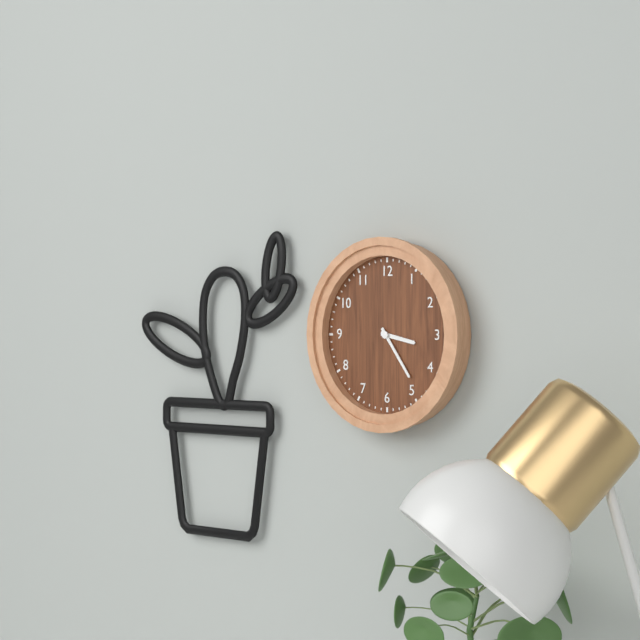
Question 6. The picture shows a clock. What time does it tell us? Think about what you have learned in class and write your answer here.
3:24
